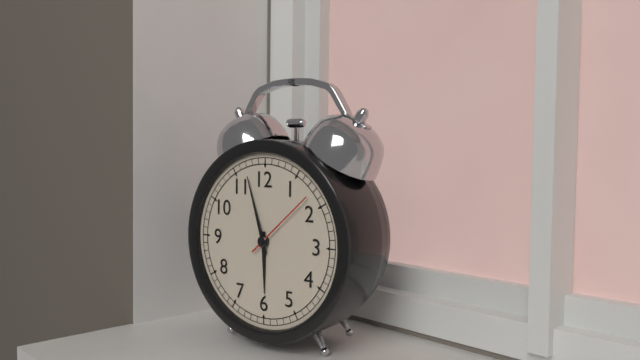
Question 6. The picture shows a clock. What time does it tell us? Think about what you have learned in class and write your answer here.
5:57:08
